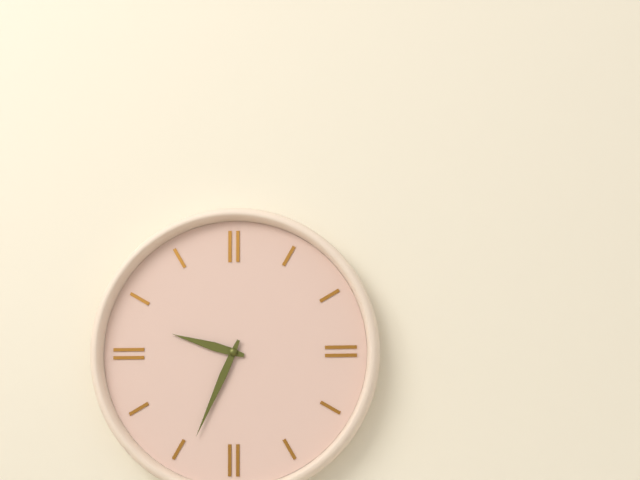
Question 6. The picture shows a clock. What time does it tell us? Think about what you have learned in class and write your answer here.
9:34
